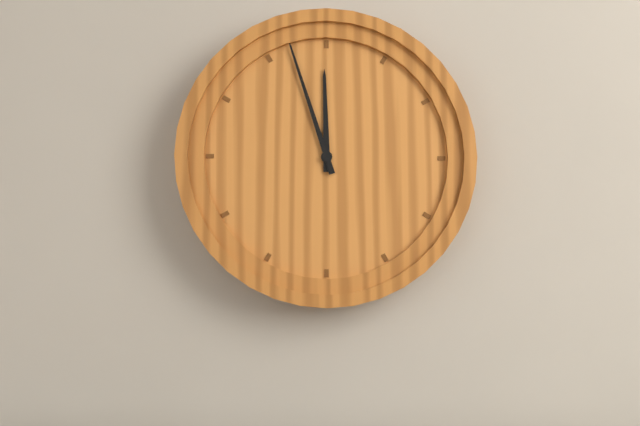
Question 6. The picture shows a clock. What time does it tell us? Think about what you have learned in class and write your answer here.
11:57
